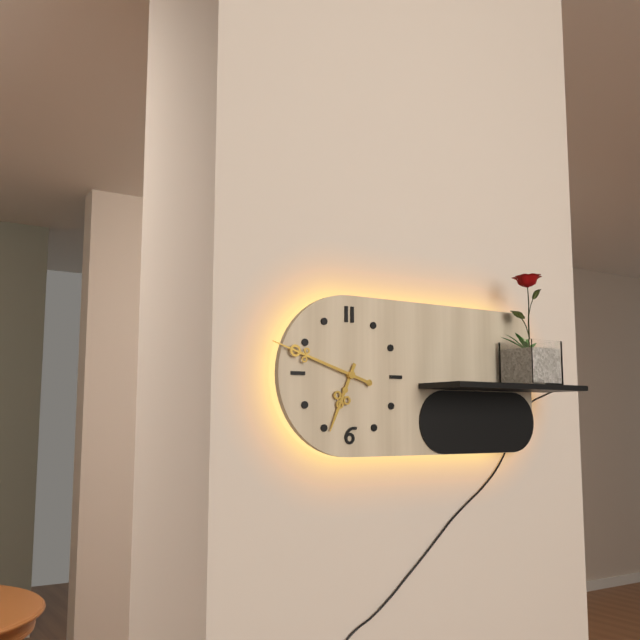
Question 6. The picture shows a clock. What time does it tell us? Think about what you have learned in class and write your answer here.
6:48
